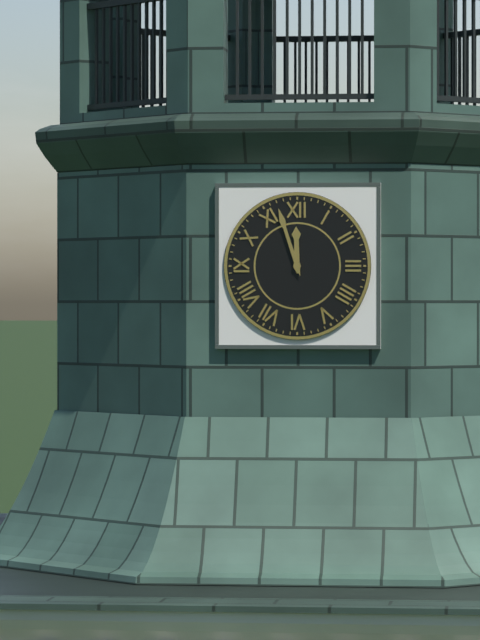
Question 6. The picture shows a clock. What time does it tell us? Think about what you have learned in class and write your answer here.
11:57
